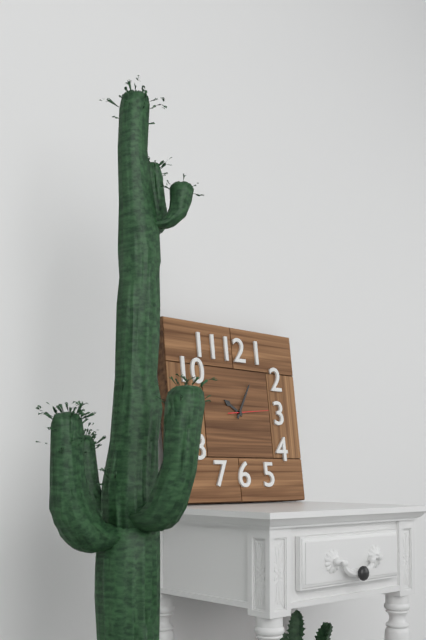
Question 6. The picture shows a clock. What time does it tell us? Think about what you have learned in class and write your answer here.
10:05
